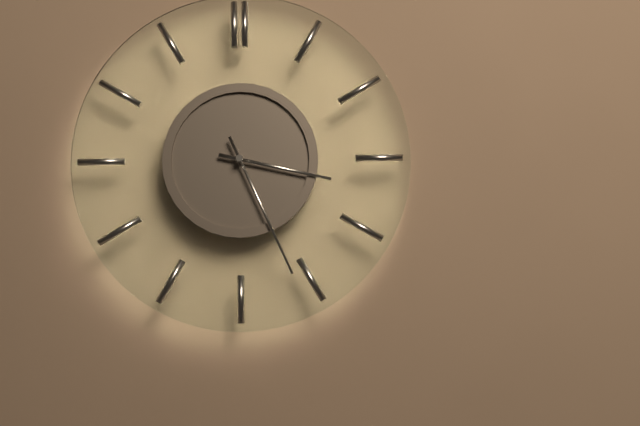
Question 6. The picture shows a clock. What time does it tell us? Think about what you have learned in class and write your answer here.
3:26
